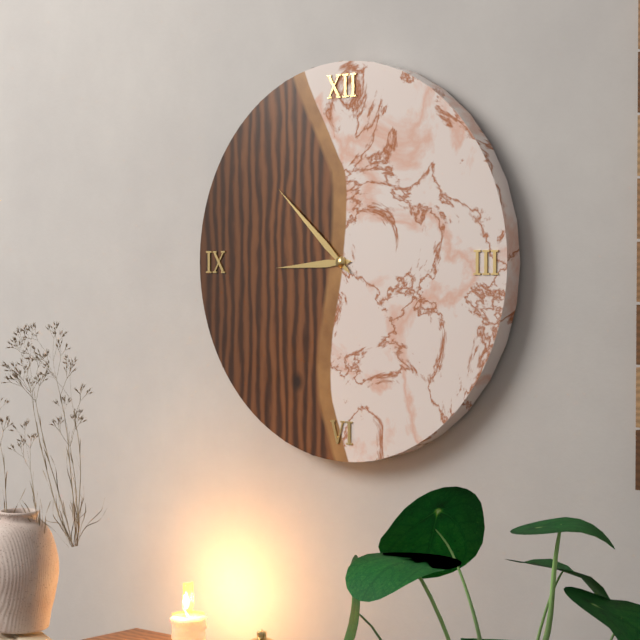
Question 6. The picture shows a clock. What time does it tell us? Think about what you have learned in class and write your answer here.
8:52
